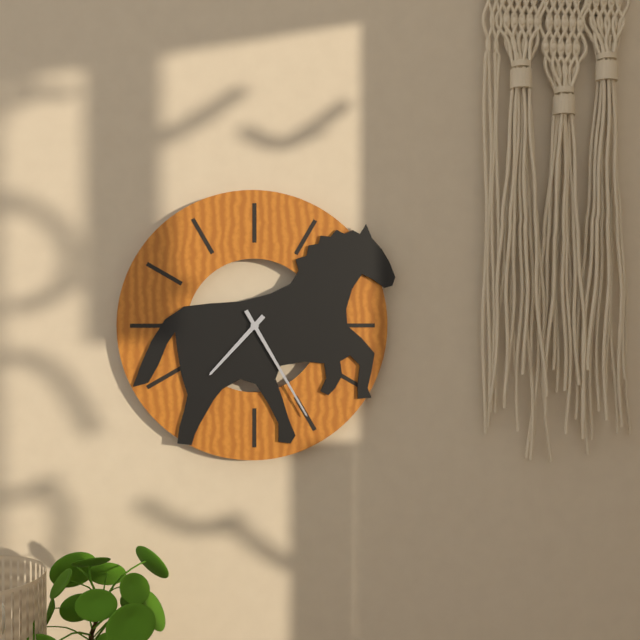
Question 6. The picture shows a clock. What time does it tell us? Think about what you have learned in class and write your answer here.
7:25
